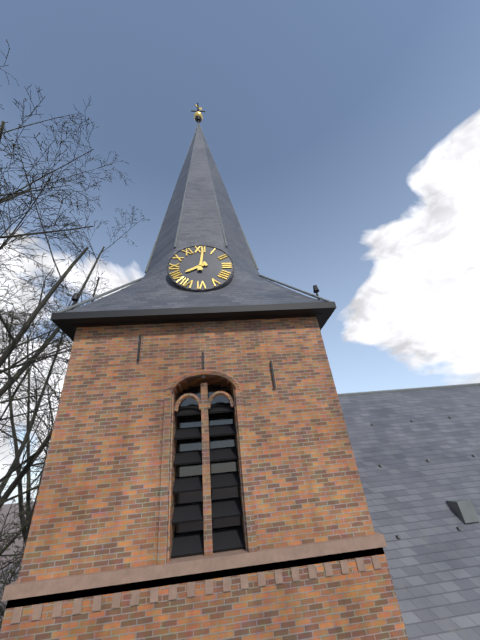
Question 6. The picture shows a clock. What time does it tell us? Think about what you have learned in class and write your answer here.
8:01
